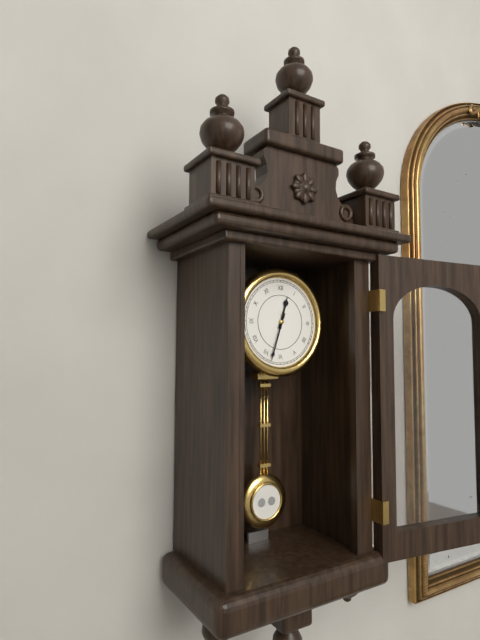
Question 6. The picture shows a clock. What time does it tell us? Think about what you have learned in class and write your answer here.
12:33
